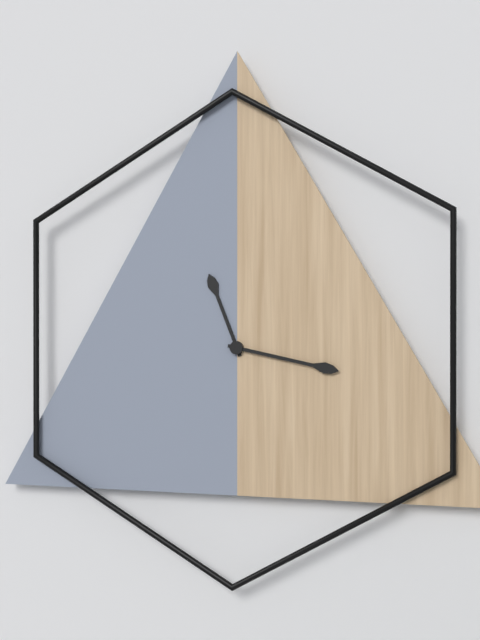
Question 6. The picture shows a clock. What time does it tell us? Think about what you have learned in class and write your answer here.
11:17
